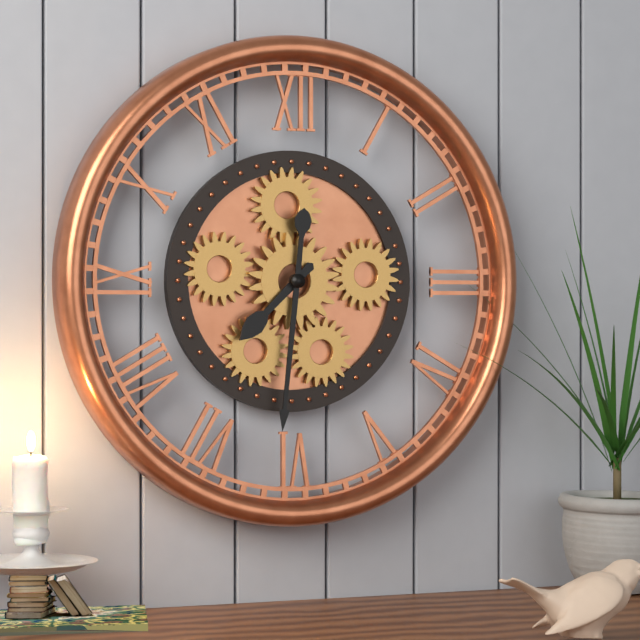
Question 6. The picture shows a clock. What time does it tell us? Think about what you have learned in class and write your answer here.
7:31
